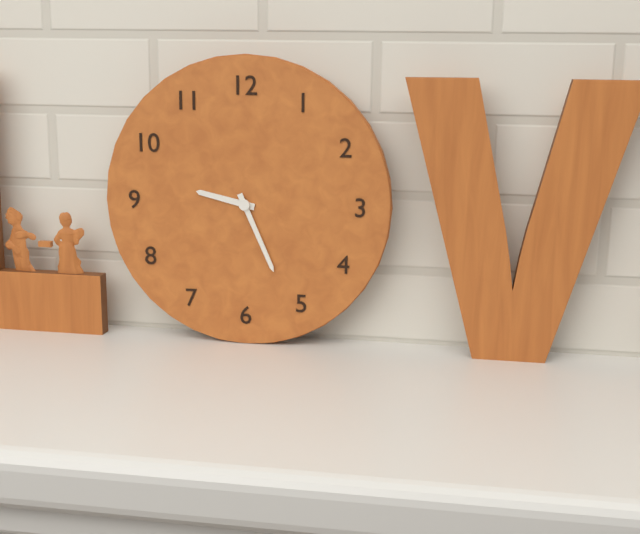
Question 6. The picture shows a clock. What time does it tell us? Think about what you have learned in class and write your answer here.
9:26
